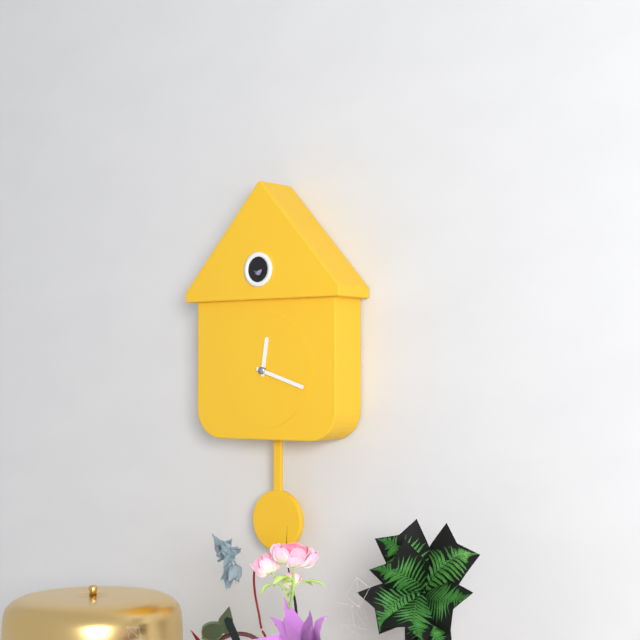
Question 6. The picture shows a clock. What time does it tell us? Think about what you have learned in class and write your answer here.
12:18
